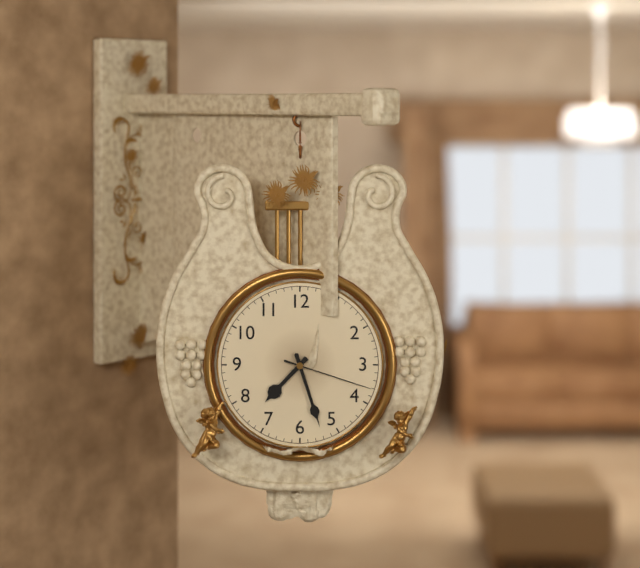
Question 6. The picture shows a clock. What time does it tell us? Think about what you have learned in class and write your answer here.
7:27:18
